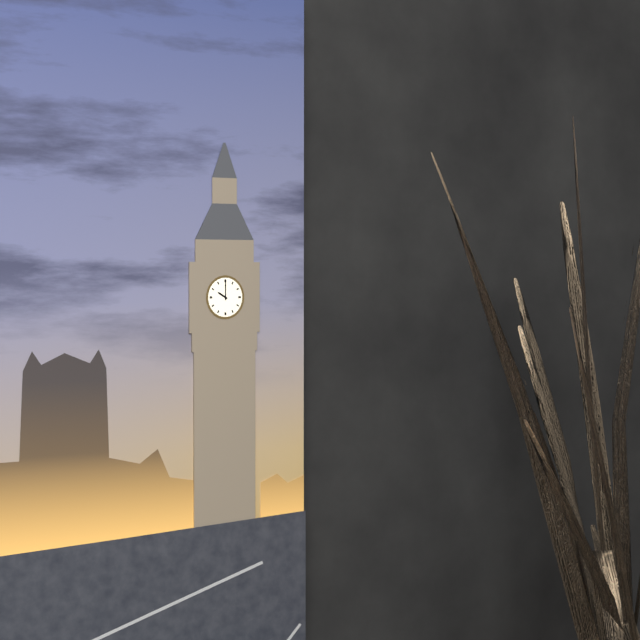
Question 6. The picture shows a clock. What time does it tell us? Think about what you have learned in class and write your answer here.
10:00
